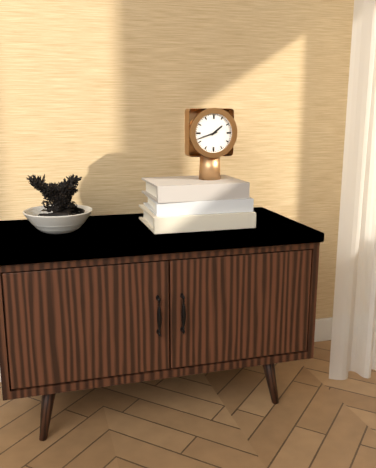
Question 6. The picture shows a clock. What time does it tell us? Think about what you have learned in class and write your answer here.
1:42
